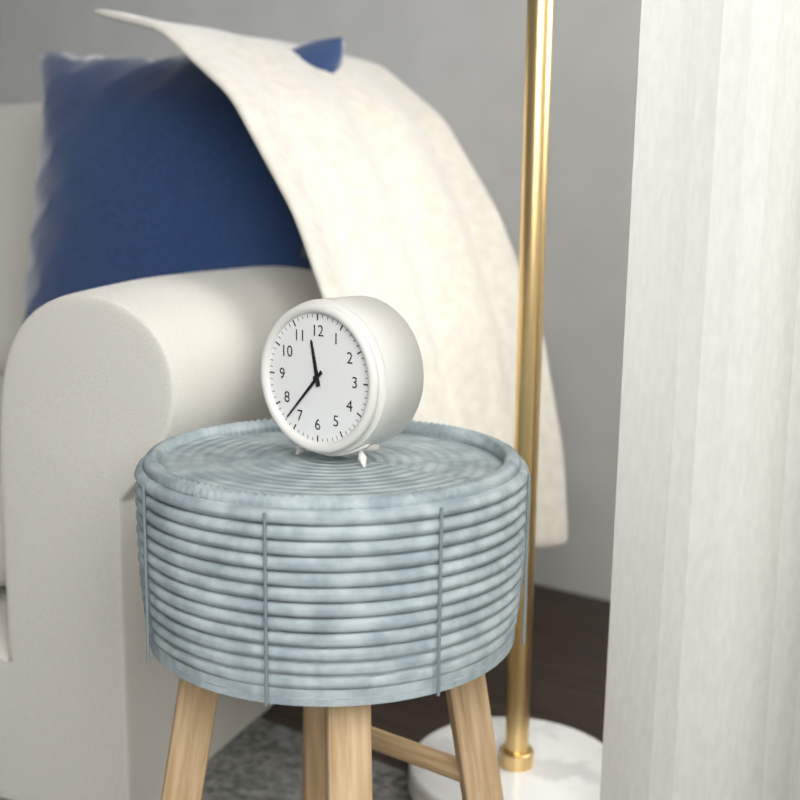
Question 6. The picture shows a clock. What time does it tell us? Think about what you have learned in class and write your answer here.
11:37
